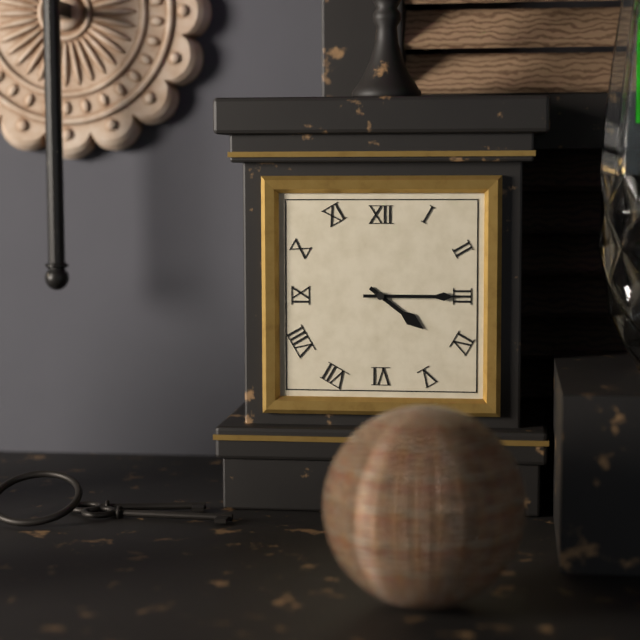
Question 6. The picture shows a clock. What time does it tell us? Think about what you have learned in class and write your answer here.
4:15
